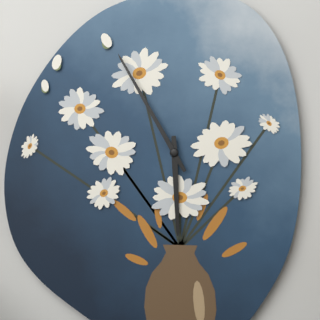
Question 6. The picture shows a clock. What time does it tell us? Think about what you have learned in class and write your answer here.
5:55
